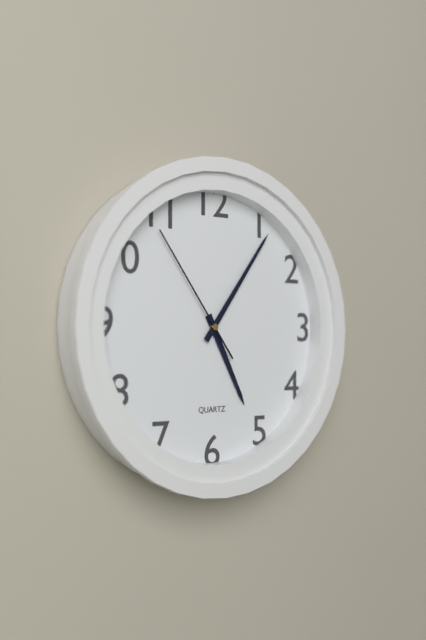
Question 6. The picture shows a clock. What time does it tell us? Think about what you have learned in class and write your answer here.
5:06:54
